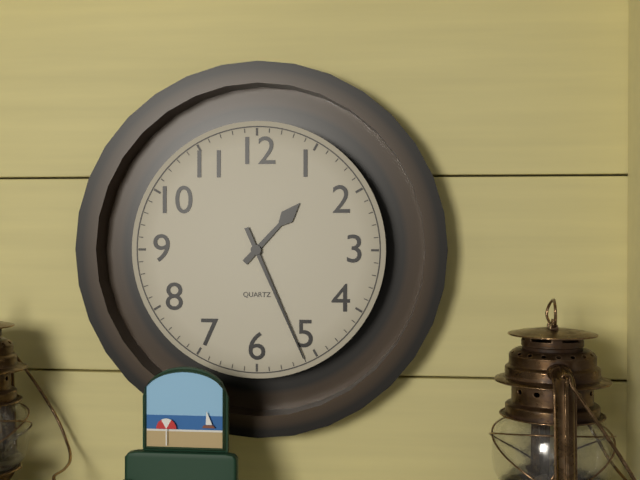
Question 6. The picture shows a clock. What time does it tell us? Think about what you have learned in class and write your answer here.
1:26
